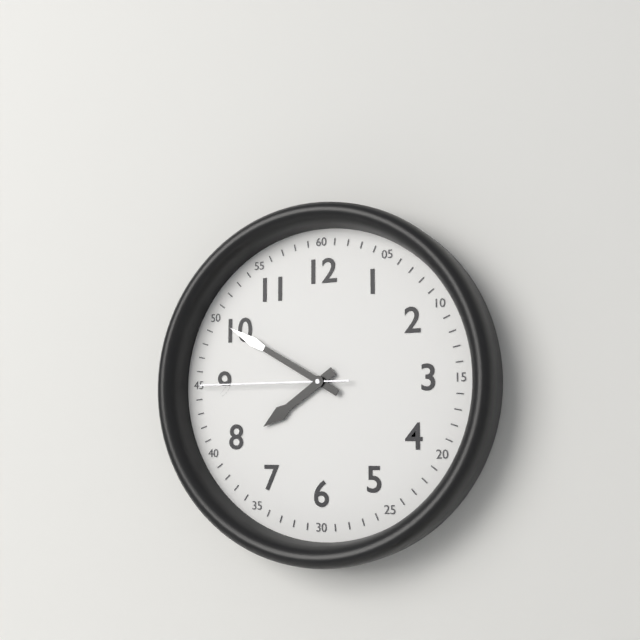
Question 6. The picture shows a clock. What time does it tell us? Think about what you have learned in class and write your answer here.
7:50:45
